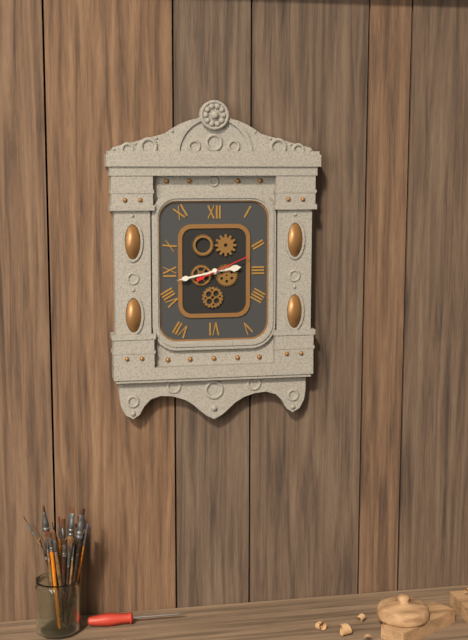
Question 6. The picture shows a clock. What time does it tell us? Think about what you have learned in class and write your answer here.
2:43
